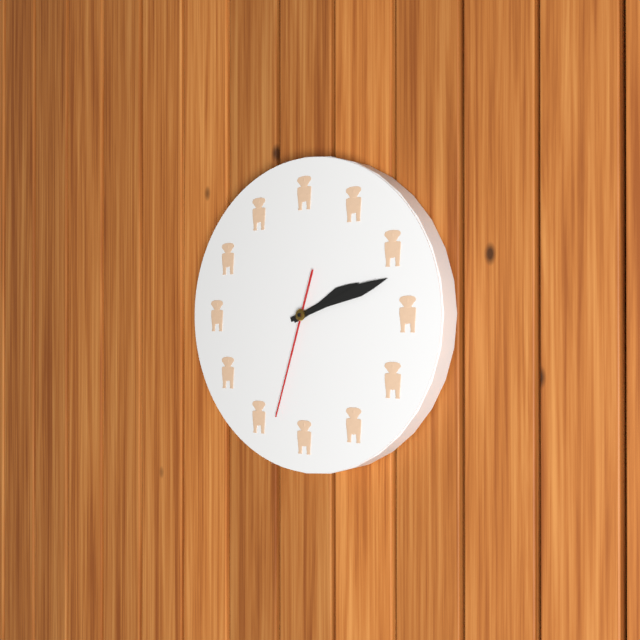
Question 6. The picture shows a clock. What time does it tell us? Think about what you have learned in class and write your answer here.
2:12:33
